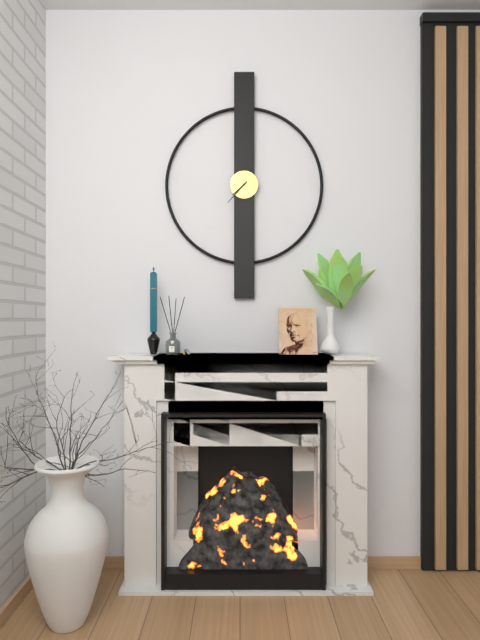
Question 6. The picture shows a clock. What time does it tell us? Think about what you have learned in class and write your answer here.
7:37
